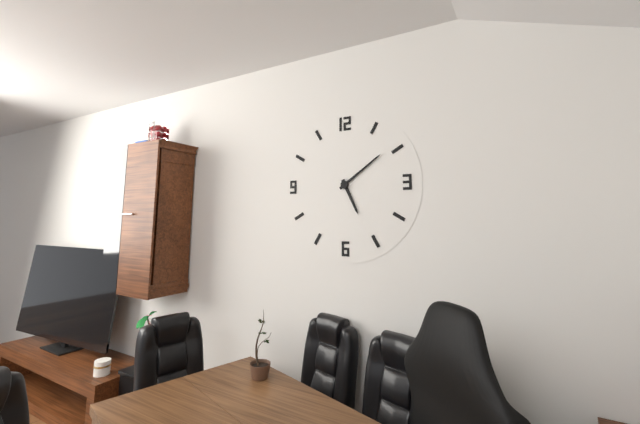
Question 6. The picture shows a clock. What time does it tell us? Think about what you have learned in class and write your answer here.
5:09
